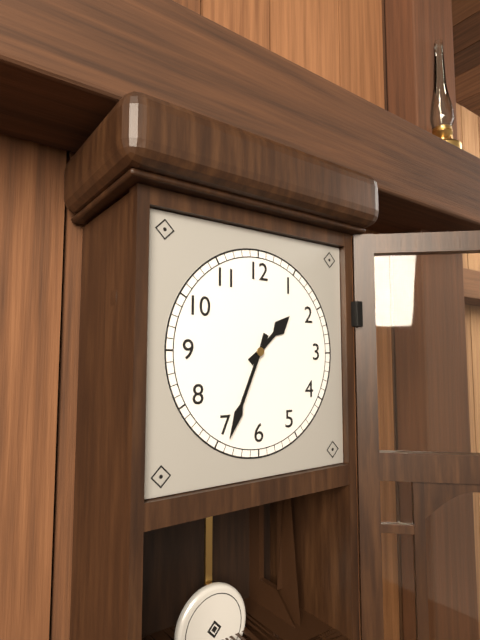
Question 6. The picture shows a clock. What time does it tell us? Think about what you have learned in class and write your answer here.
1:34
